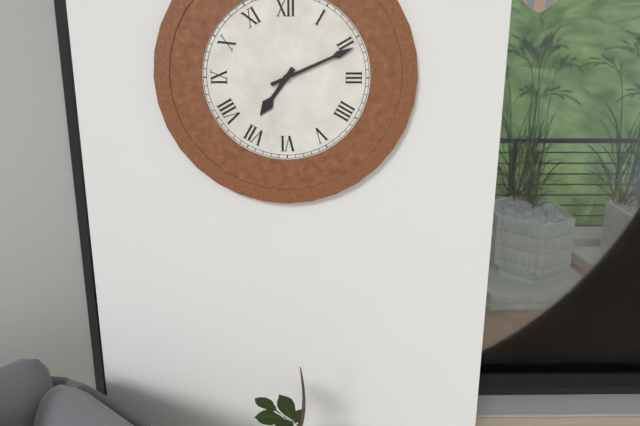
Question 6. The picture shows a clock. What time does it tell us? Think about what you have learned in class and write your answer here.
7:11
